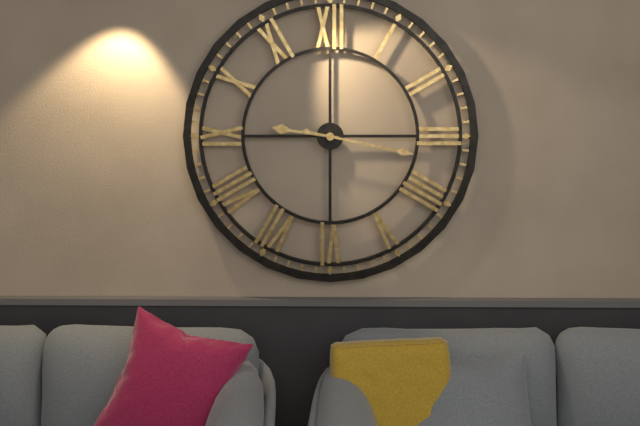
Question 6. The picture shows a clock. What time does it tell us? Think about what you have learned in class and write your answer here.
9:17
